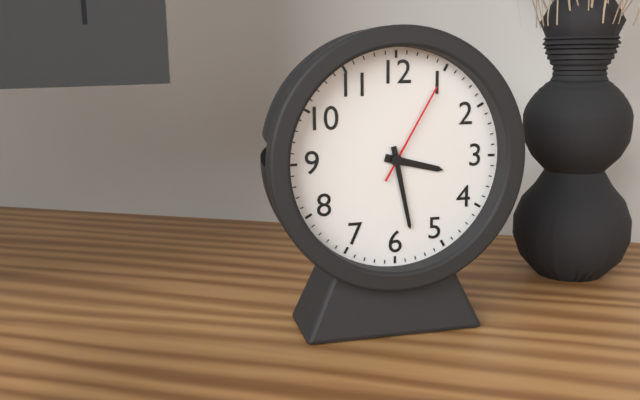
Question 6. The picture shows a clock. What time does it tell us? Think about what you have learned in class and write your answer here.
3:28:05
